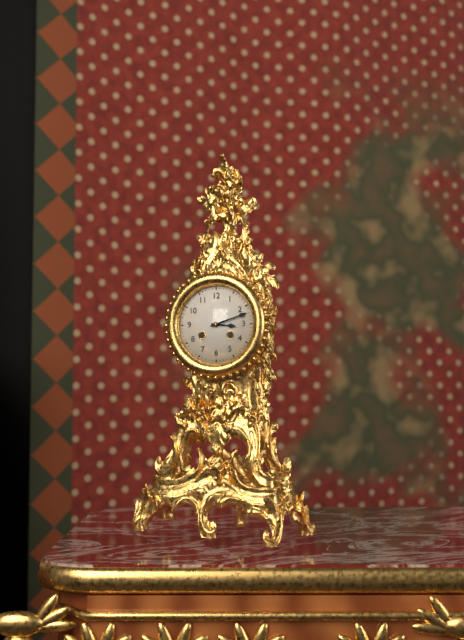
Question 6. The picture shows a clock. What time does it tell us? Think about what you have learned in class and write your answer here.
3:12
